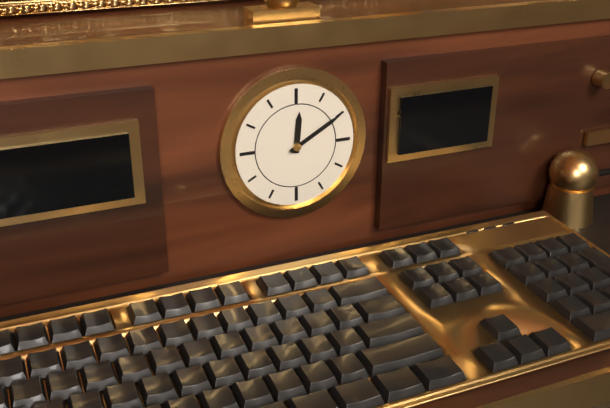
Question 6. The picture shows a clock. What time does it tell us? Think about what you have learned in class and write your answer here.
12:10
